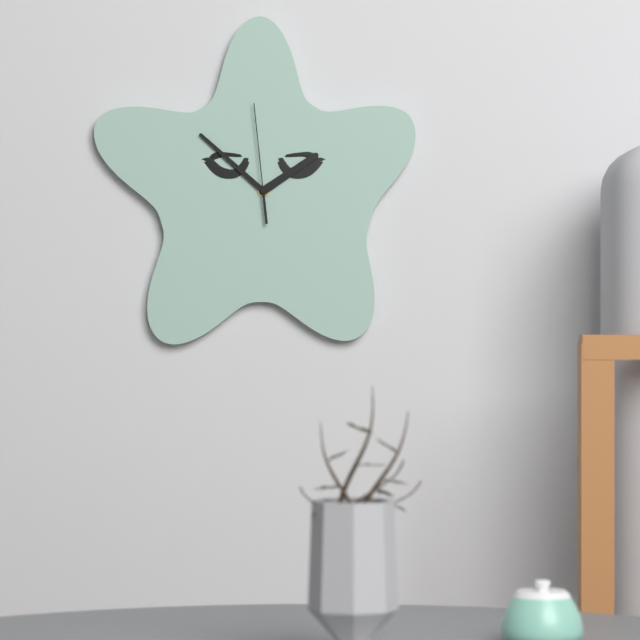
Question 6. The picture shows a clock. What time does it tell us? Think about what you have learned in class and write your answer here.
1:52:59
